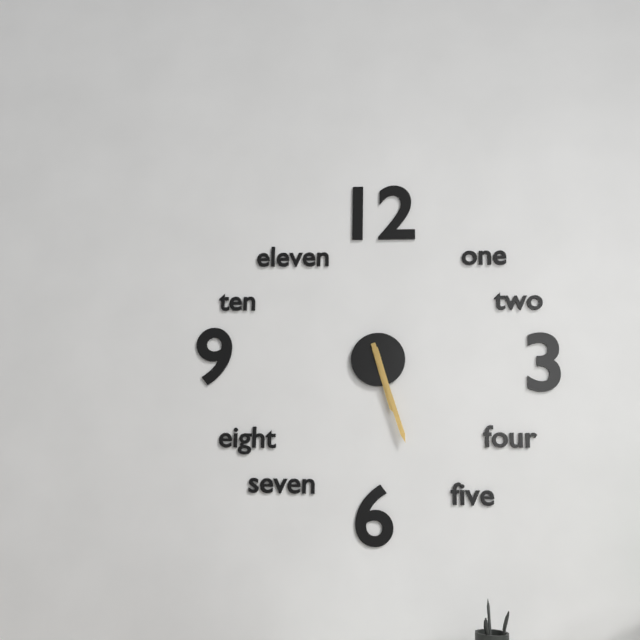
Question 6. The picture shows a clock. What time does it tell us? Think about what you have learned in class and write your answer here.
5:27
